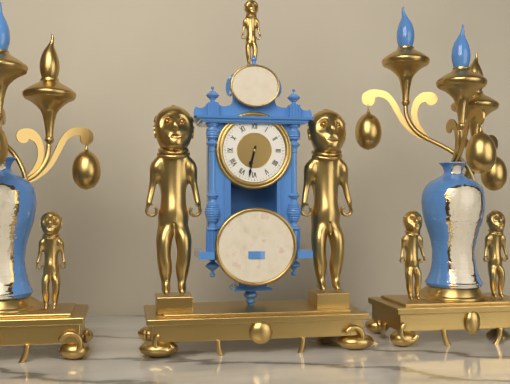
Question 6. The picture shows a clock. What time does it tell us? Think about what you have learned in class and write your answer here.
6:32
